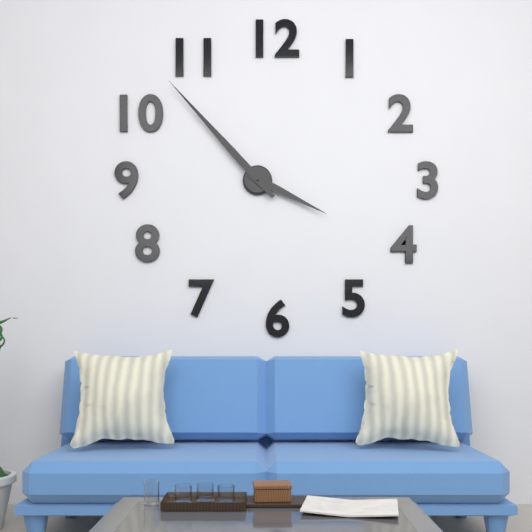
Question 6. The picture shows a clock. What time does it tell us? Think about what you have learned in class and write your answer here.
3:53
